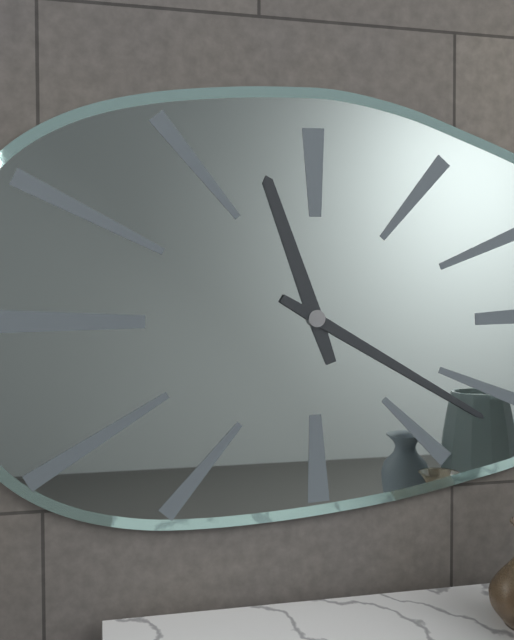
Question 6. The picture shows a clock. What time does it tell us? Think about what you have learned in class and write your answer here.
11:20
